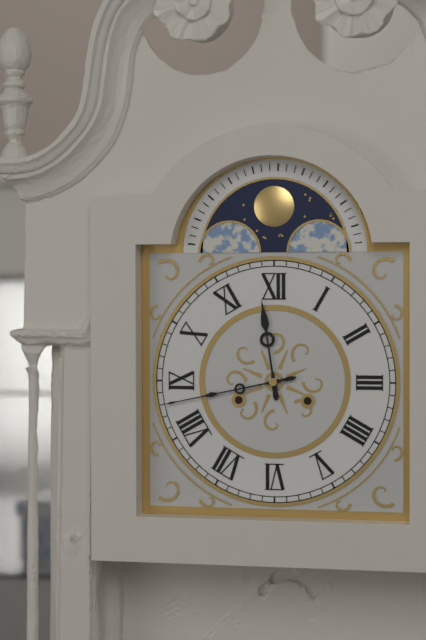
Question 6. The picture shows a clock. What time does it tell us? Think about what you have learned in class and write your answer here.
11:43
